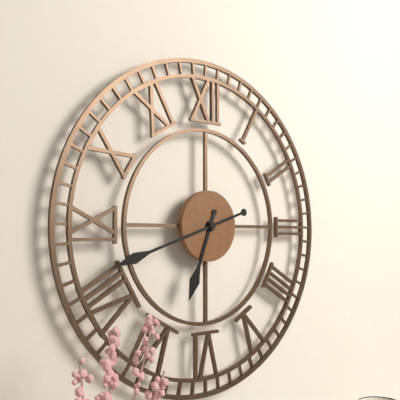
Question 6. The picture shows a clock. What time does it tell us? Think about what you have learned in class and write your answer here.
6:42
